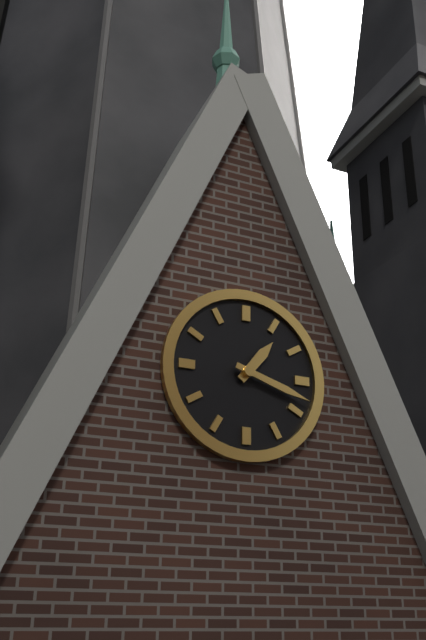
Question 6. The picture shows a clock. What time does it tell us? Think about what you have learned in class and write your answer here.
1:18
